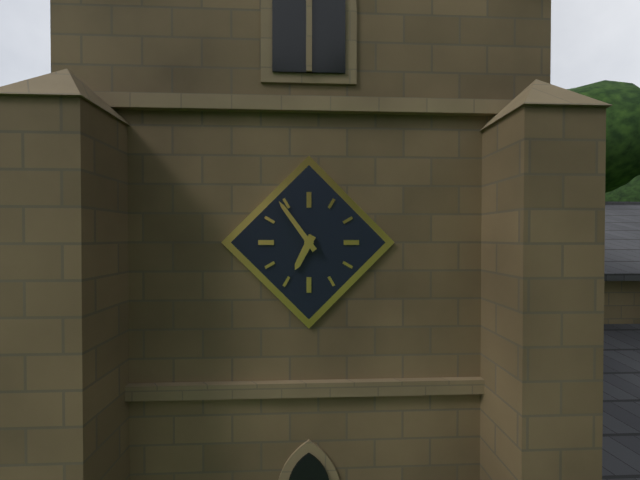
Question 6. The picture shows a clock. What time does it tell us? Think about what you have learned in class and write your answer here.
6:54
